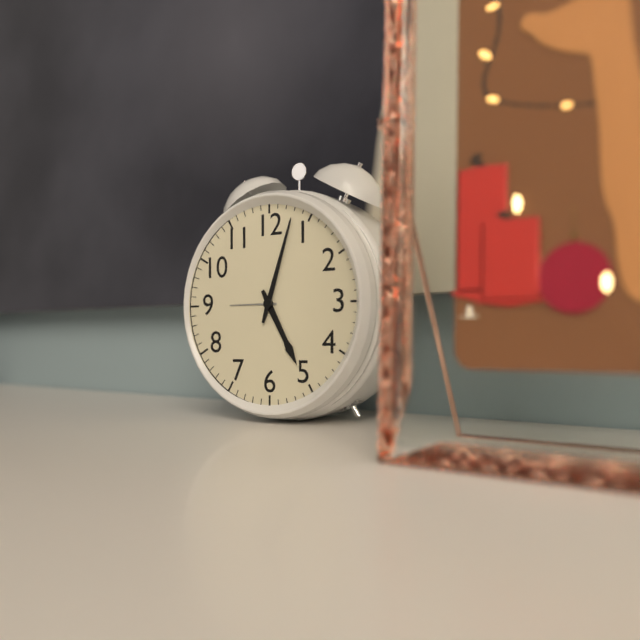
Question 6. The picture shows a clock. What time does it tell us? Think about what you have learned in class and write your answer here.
5:03
